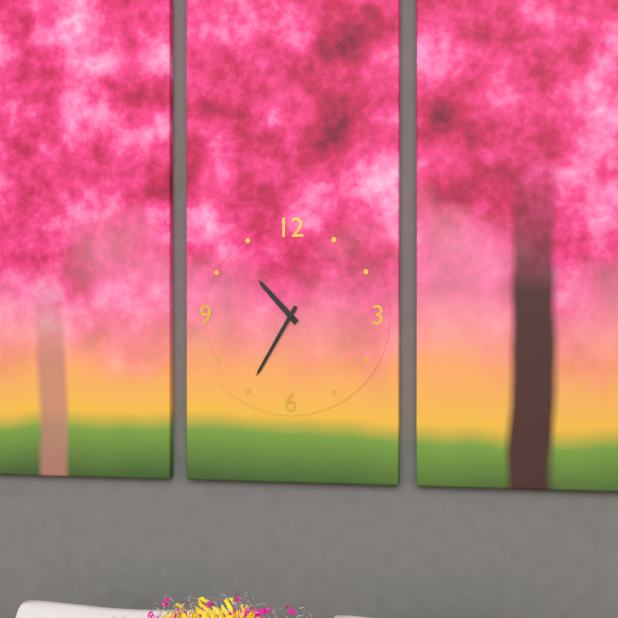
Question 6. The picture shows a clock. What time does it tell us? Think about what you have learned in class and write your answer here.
10:35
